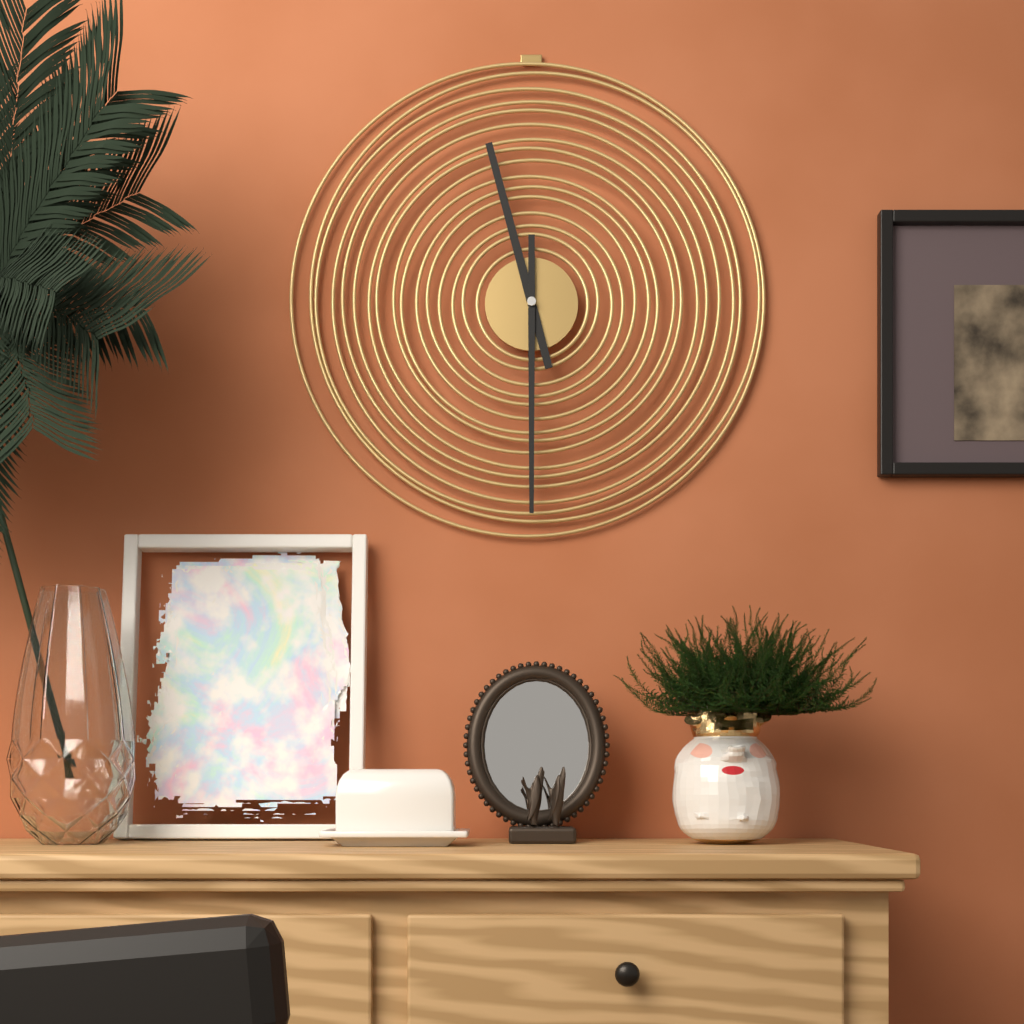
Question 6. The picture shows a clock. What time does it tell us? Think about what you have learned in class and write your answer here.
11:30
